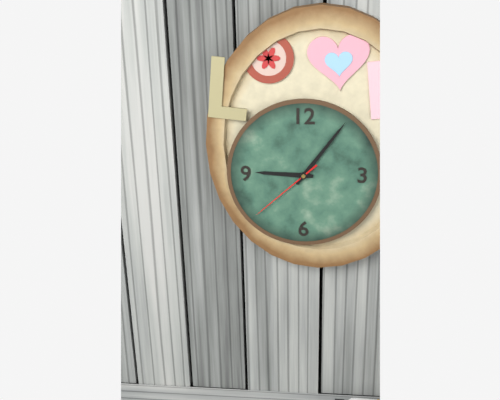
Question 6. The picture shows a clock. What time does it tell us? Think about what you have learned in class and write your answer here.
9:06:38
